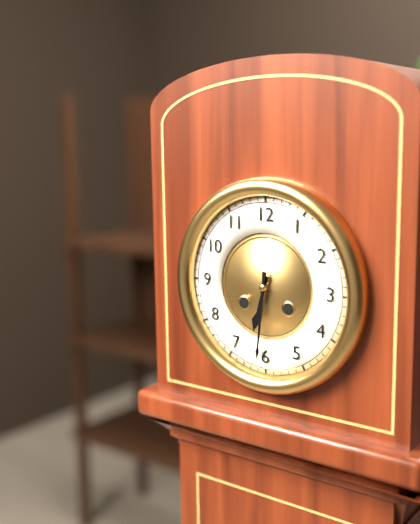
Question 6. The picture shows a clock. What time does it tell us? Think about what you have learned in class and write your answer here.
6:31
